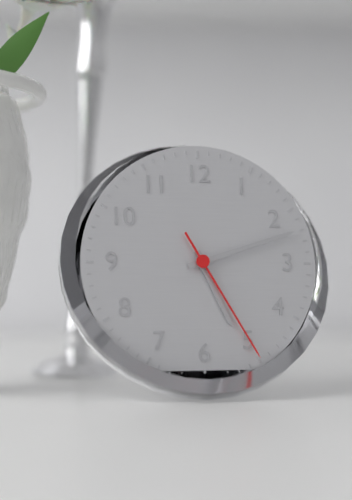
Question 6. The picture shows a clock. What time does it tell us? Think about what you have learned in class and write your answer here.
5:12:25
